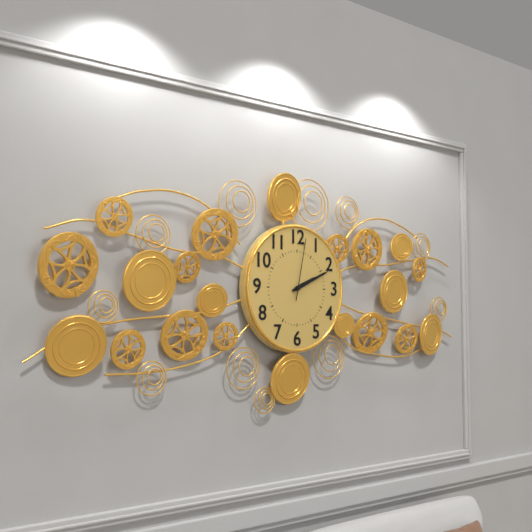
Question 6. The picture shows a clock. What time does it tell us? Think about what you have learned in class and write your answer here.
2:11:02
